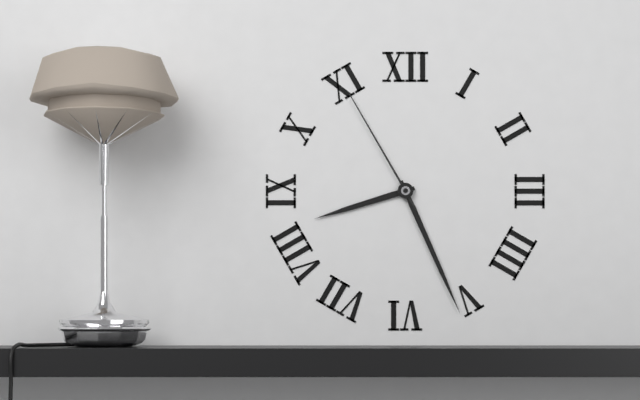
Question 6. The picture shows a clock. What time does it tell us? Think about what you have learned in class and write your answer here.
8:26:55
